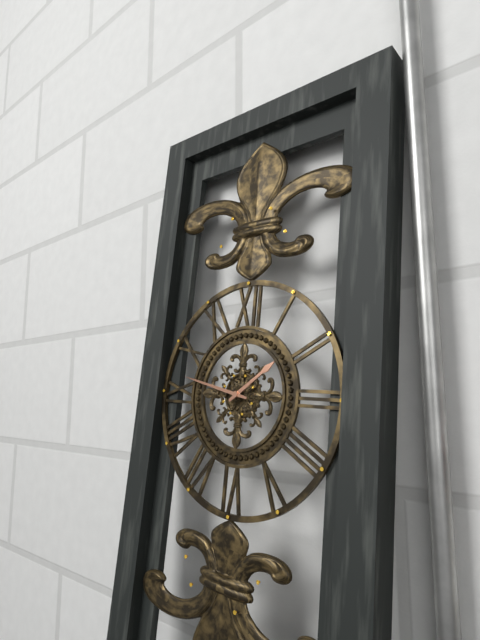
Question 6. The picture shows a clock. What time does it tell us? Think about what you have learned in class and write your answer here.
1:47
